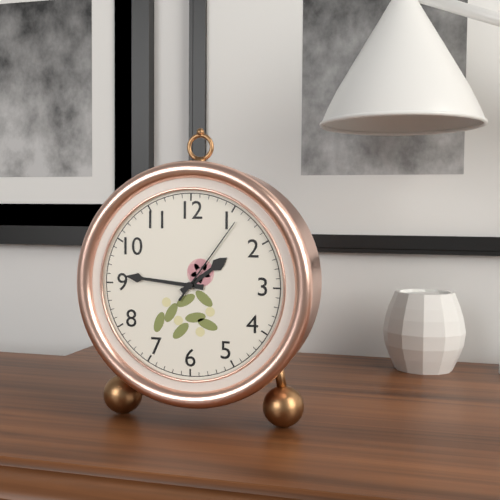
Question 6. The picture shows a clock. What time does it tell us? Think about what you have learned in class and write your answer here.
1:46:06
